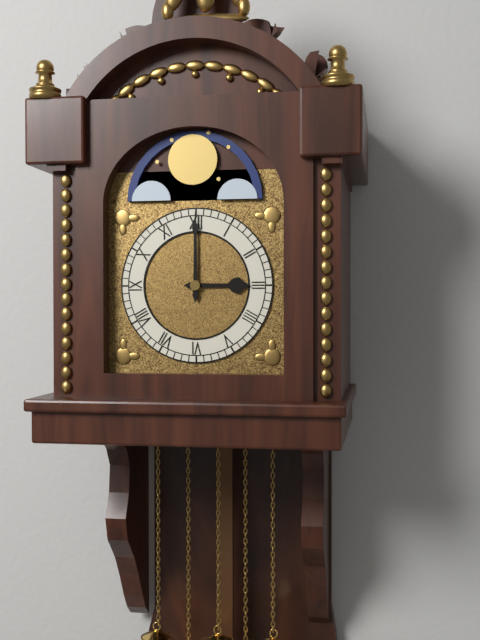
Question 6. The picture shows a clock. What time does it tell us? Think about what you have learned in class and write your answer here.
3:00
